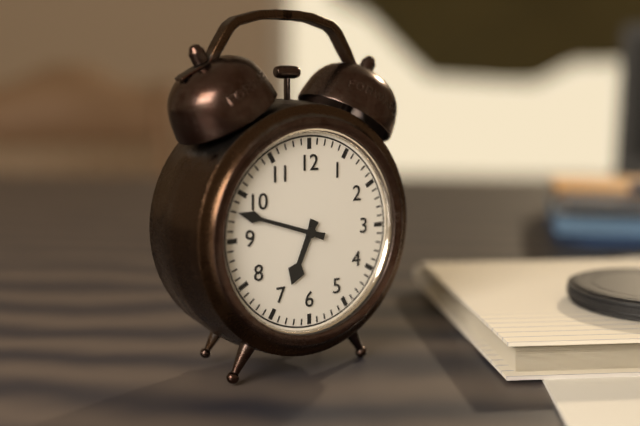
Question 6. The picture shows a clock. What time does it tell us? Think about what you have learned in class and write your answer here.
6:48
